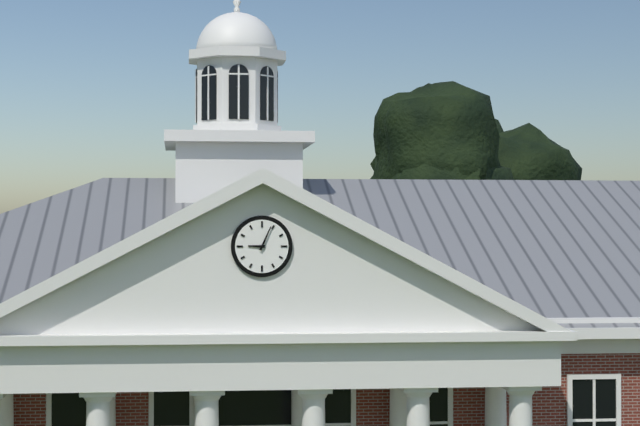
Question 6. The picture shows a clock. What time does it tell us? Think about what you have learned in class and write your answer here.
9:04
